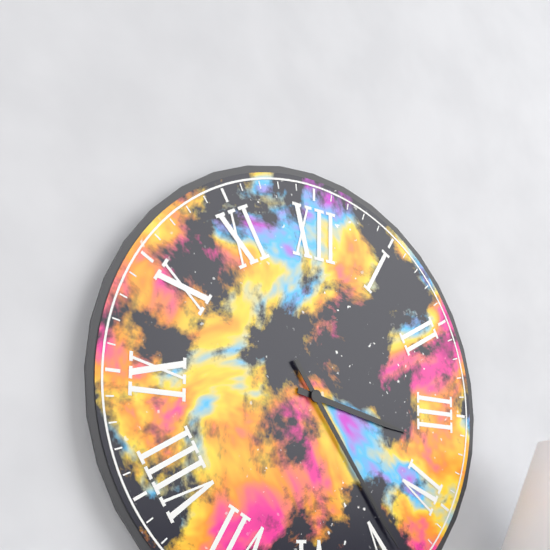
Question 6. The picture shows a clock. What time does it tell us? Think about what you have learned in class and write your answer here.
3:24
